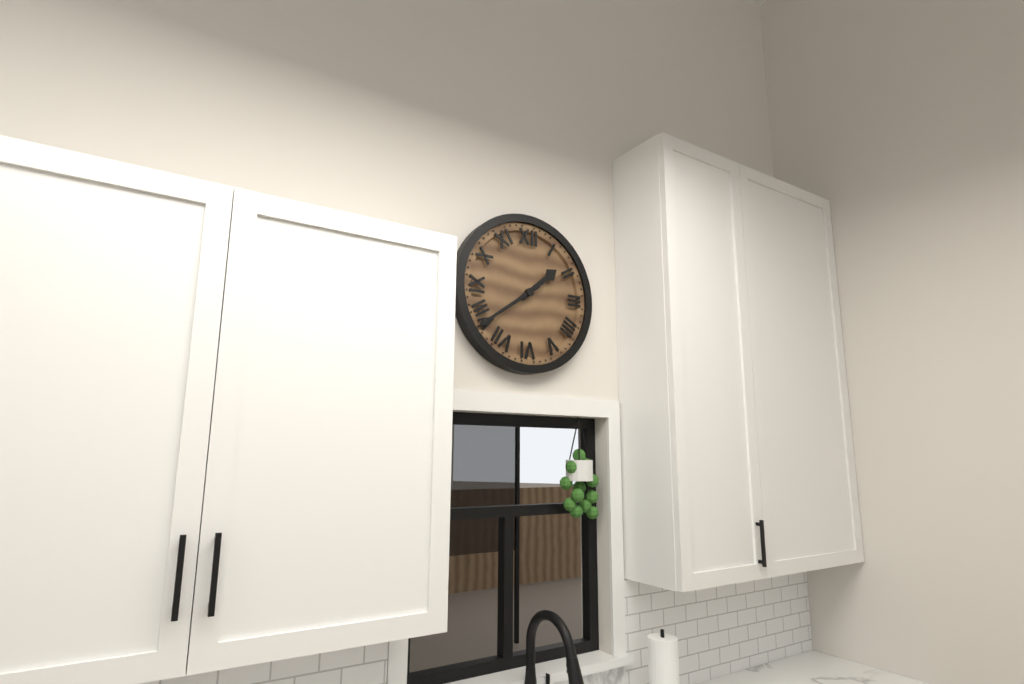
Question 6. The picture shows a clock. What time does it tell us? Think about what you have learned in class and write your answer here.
1:39
